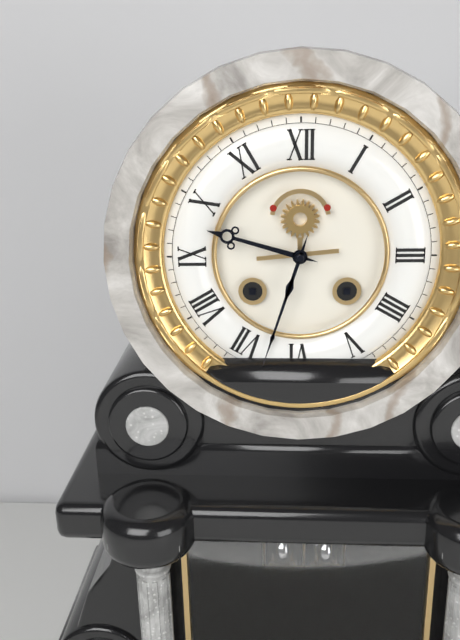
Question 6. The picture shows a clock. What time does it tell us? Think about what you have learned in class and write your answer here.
9:33
